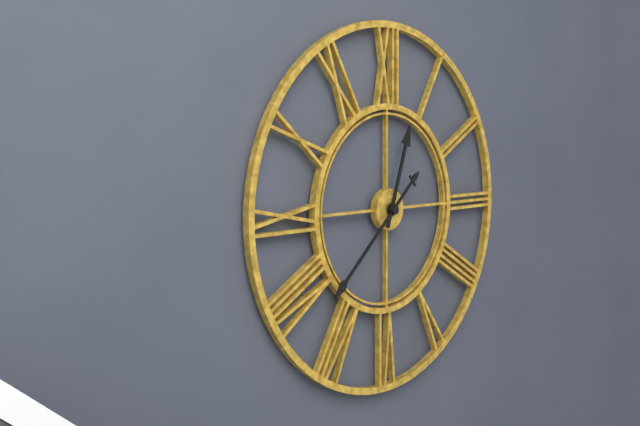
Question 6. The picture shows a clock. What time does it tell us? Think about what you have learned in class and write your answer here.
12:38
